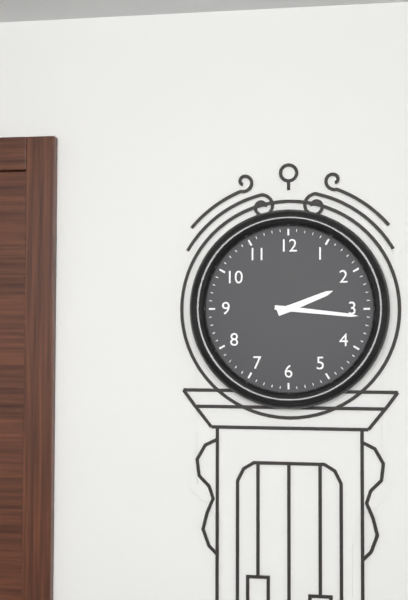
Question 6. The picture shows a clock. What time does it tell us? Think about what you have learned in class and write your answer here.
2:16
